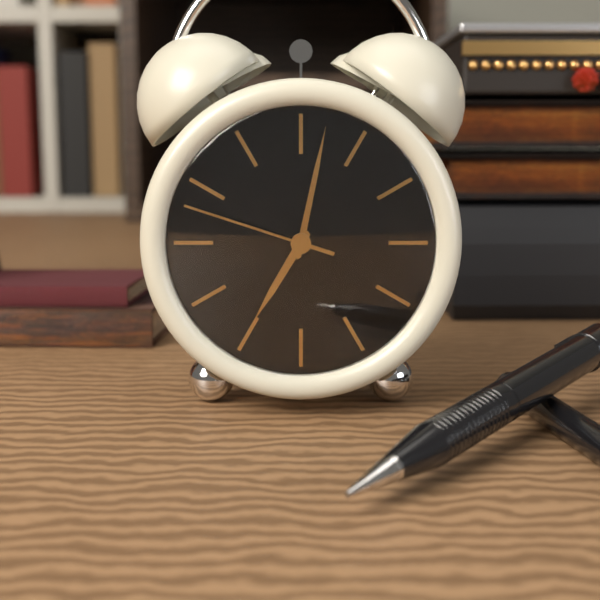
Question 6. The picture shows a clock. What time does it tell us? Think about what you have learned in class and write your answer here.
7:02:48
